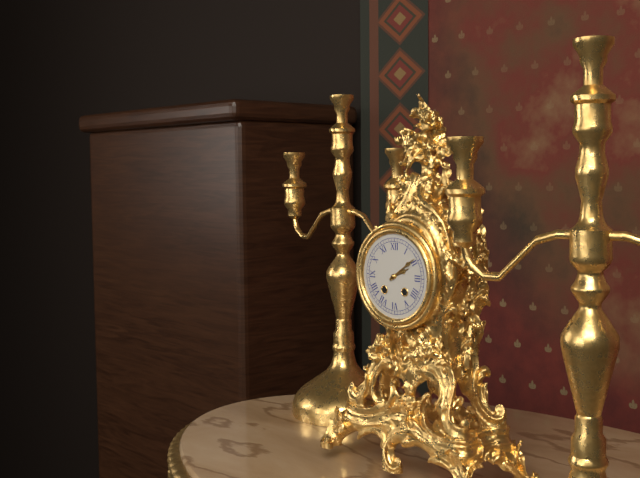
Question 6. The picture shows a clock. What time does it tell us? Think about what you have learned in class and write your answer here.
2:09
